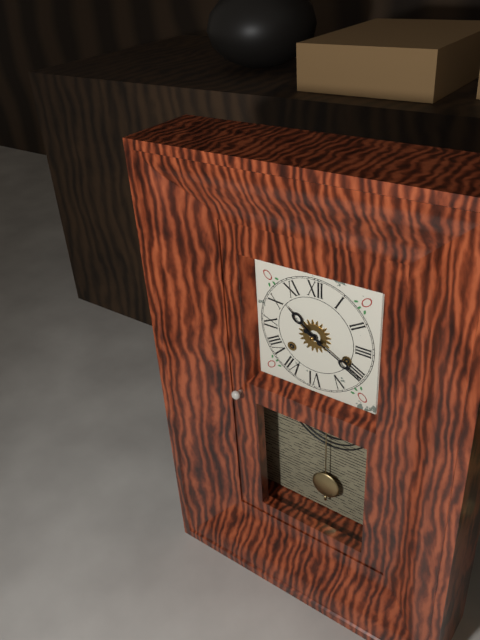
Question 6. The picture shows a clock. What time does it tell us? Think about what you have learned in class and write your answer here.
10:20
